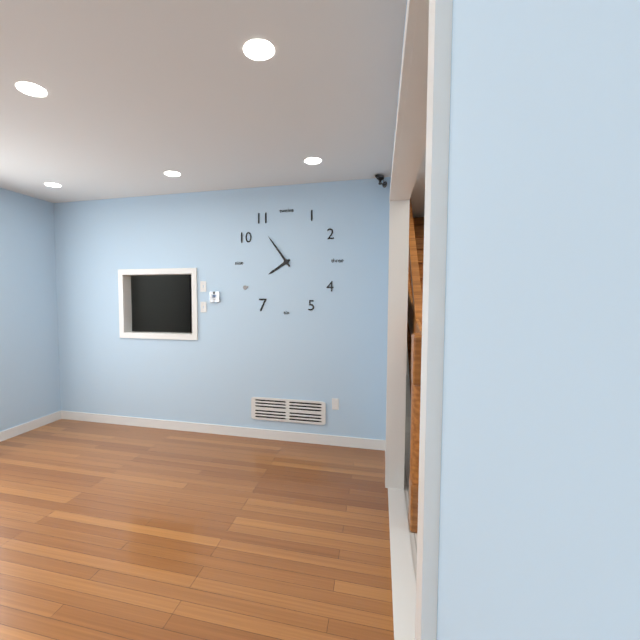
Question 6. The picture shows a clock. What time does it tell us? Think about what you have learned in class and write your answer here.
7:54
